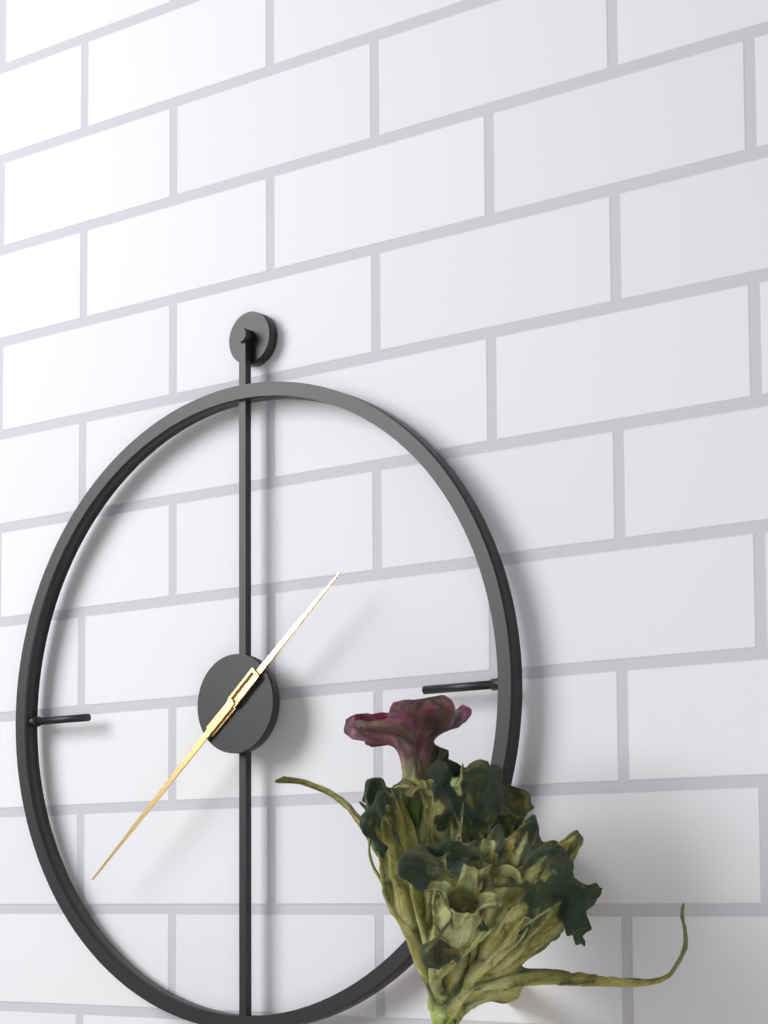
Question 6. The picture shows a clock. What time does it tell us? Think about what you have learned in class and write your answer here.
1:38
